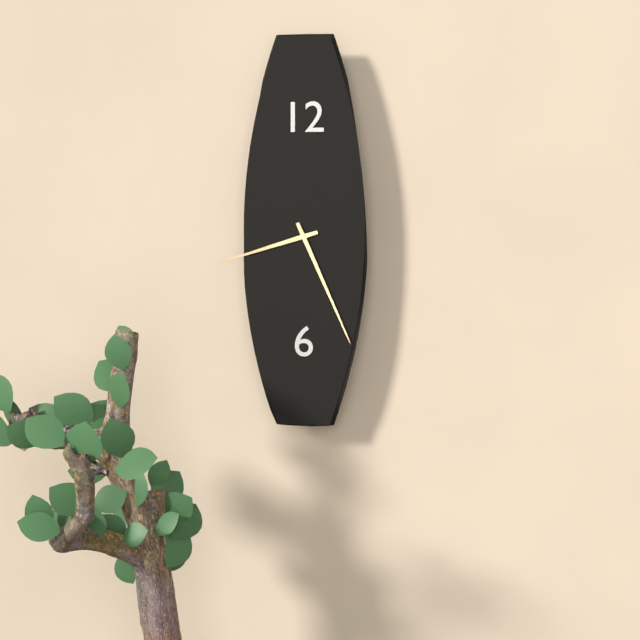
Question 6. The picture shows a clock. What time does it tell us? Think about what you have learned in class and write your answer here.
8:26
